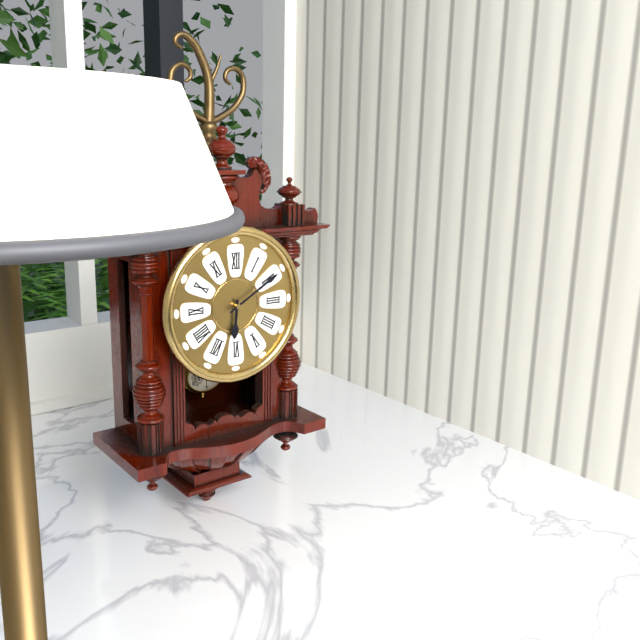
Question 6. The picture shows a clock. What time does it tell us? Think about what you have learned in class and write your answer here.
6:10
